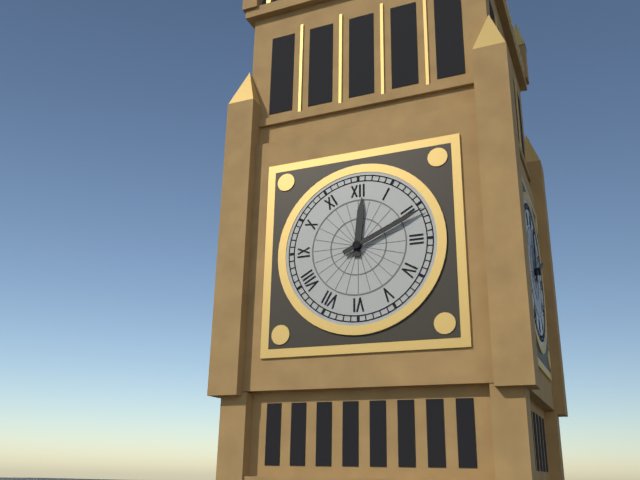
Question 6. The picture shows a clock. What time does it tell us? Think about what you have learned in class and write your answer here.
12:11
